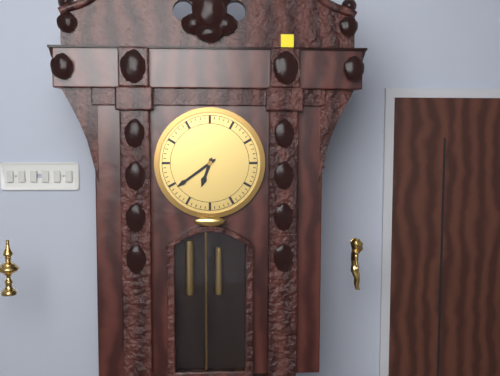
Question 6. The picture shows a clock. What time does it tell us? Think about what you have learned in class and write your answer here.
6:39
